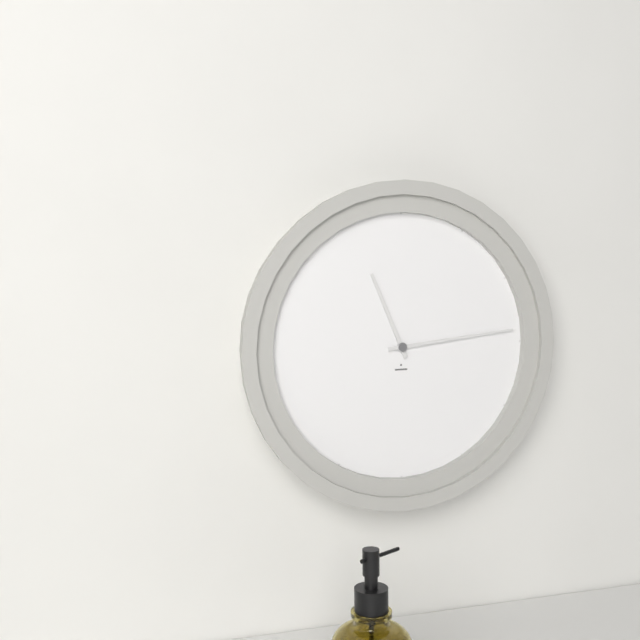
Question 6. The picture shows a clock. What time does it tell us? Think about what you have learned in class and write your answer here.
11:14
